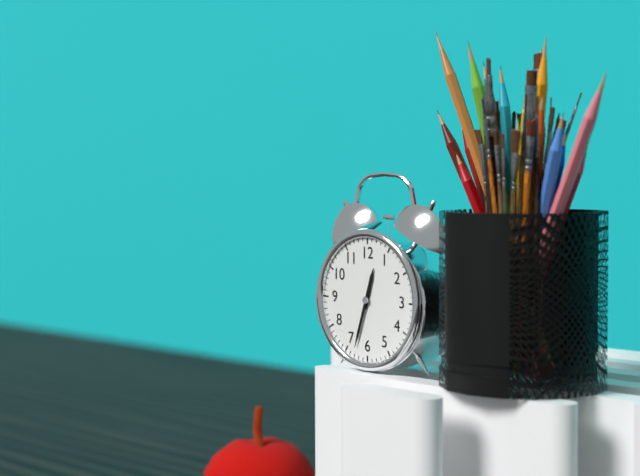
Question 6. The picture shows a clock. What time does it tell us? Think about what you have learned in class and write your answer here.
12:33
